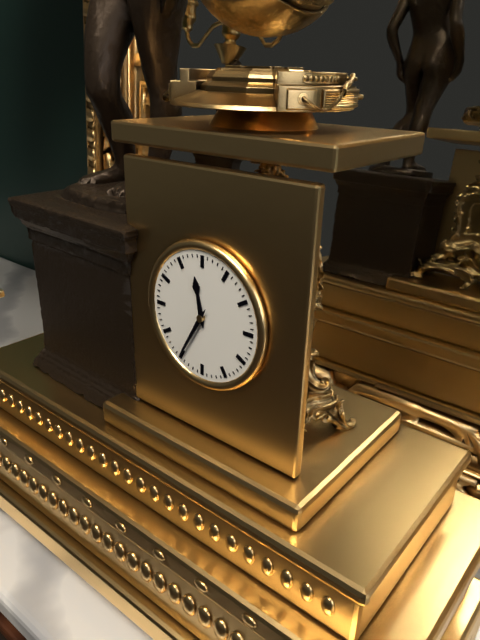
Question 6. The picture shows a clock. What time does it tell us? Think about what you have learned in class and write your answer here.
11:35
